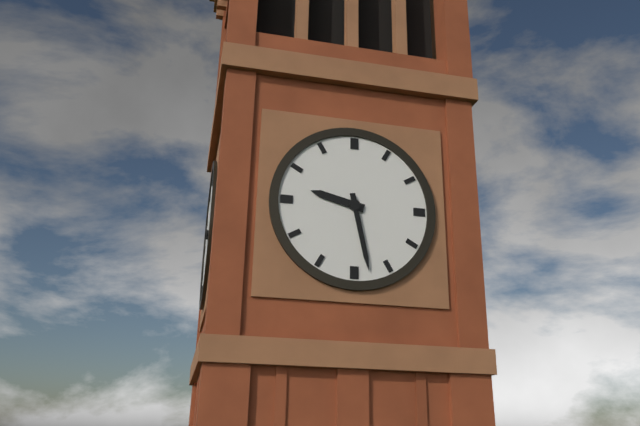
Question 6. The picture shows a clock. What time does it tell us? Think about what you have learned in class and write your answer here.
9:28
